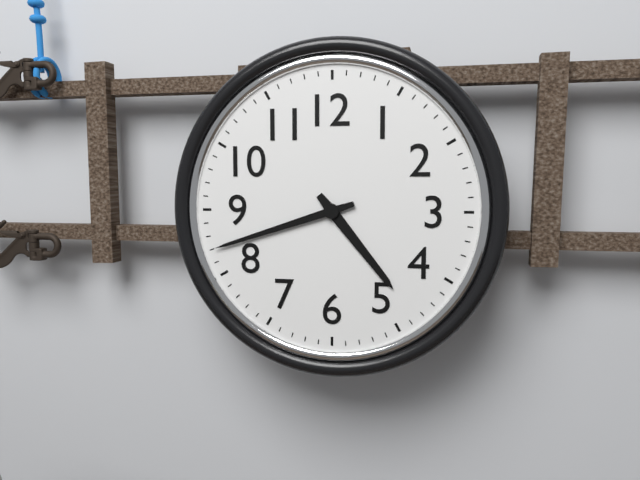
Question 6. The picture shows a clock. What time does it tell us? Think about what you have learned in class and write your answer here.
4:42
